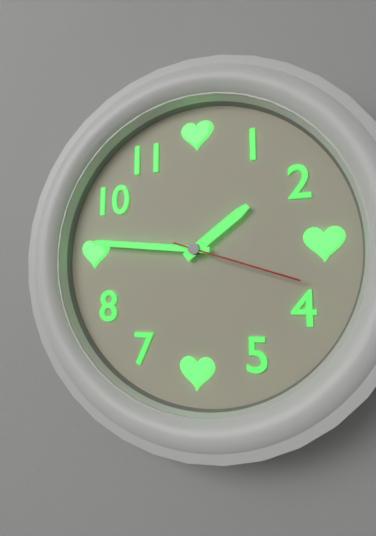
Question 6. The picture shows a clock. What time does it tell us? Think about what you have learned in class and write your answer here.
1:46:18
